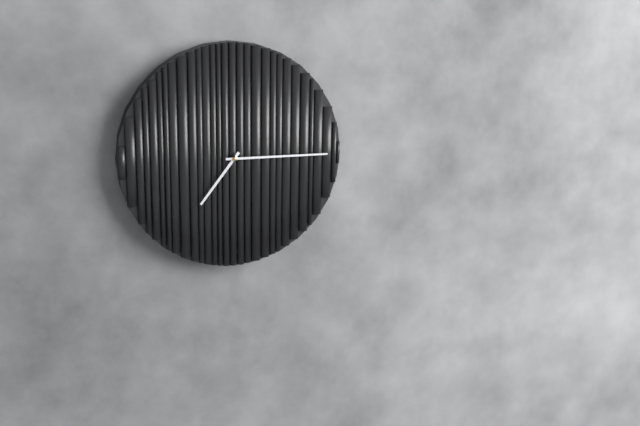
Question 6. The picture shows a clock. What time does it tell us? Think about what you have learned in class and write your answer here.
7:15
